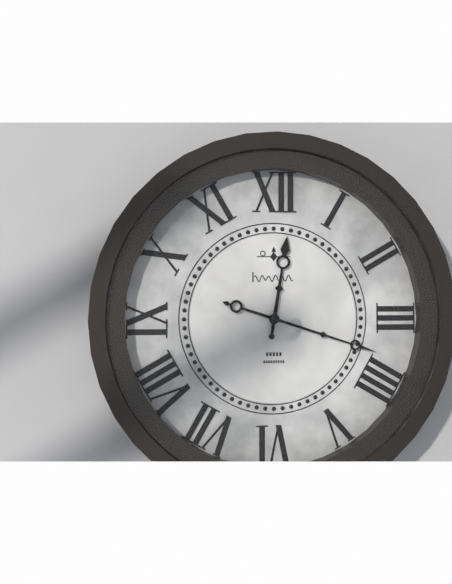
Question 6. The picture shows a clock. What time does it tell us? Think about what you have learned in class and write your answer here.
12:18
